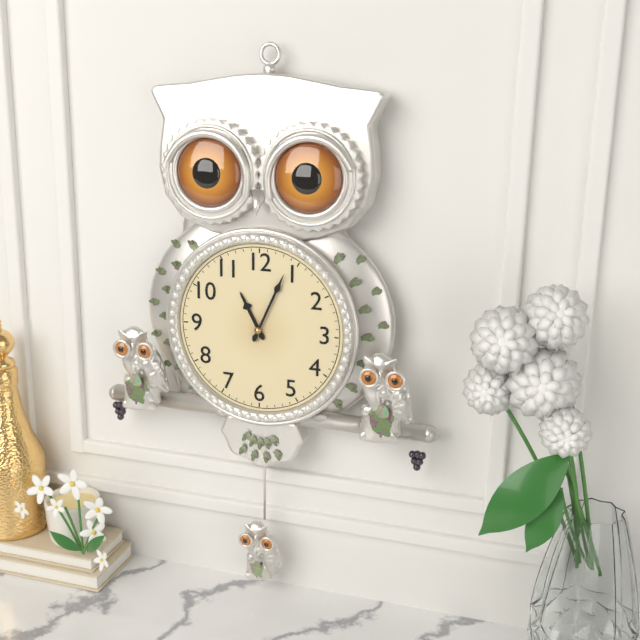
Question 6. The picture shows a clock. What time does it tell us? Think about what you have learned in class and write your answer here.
11:04
